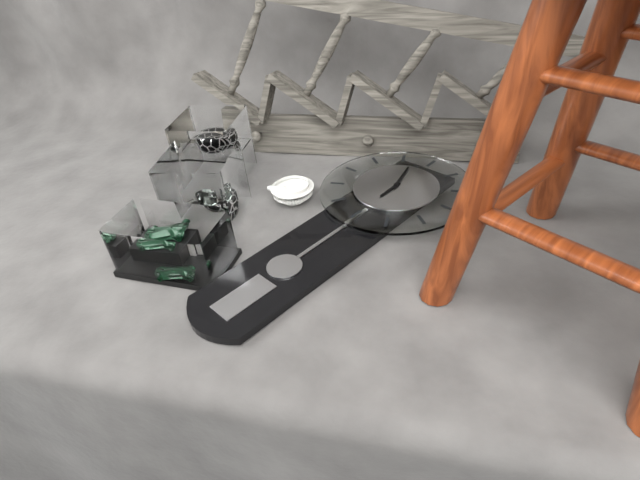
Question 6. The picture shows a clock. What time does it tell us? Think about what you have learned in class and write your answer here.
5:57
